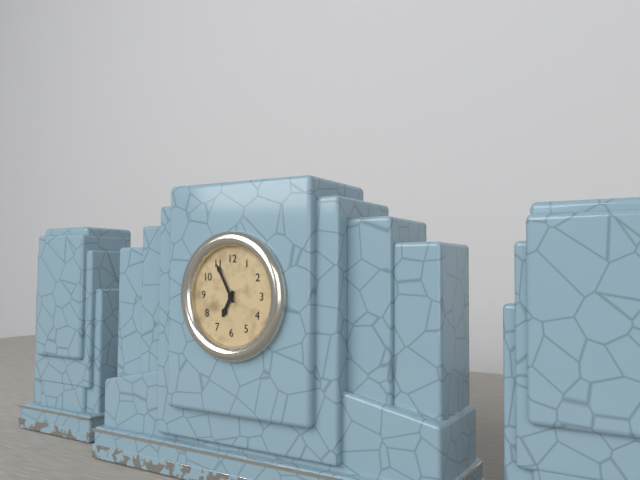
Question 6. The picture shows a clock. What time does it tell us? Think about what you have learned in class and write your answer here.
6:55
